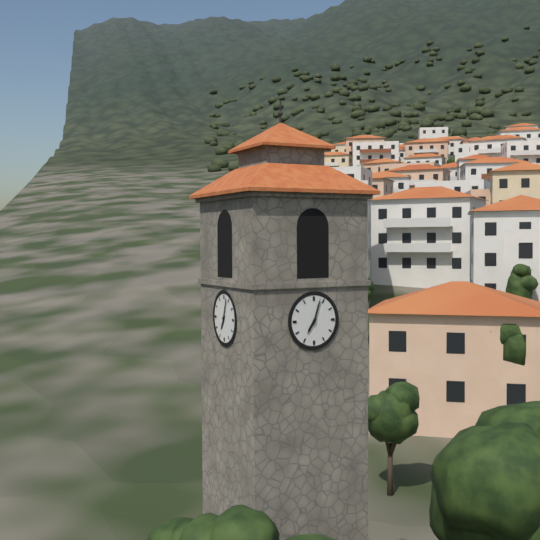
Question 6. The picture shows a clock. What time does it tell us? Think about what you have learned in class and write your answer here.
7:03
